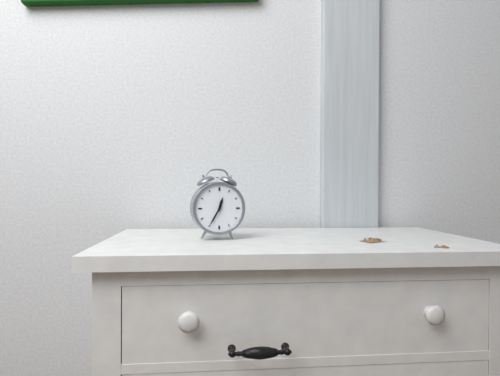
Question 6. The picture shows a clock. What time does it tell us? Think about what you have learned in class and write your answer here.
12:35
